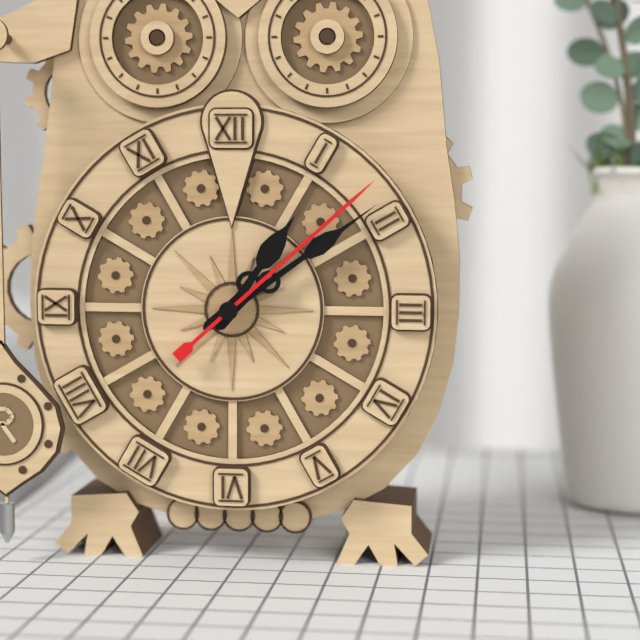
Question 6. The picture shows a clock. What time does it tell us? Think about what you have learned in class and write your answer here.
1:09:08
